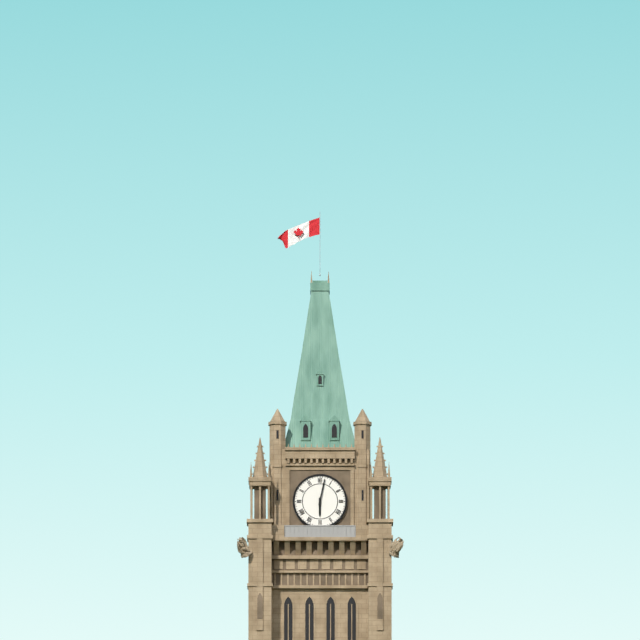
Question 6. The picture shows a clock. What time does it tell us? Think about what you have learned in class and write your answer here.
6:02
